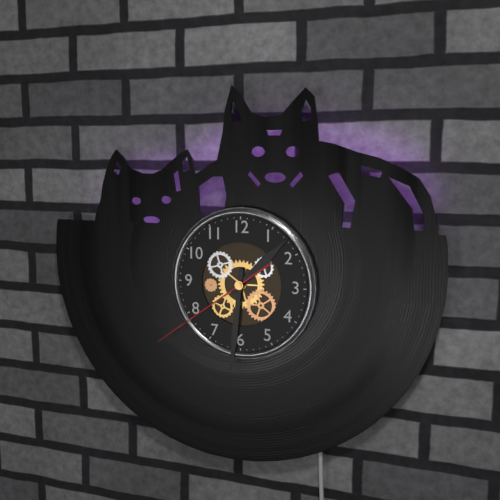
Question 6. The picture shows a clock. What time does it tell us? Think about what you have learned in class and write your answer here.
1:31:39
